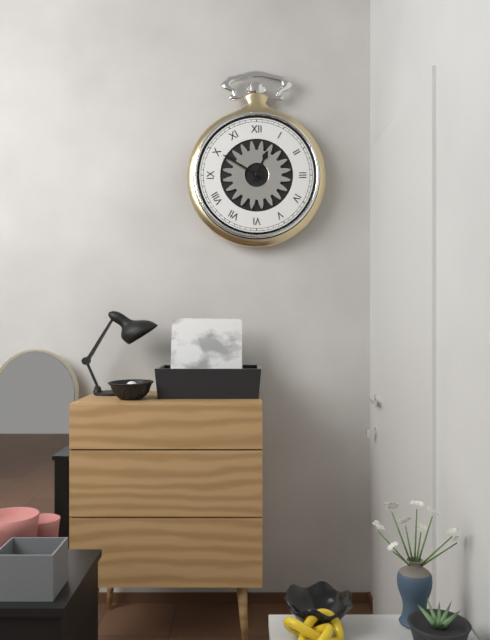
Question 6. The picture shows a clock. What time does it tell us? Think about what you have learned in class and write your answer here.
12:50
